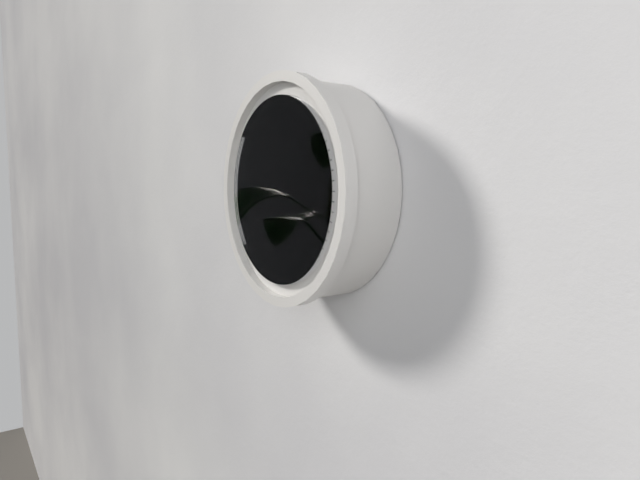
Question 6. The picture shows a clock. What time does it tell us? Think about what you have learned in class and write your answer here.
1:06:55
